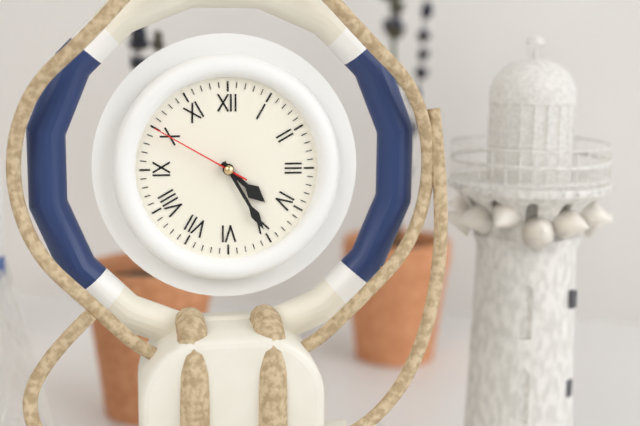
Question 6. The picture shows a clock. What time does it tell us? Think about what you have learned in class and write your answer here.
4:25:50
